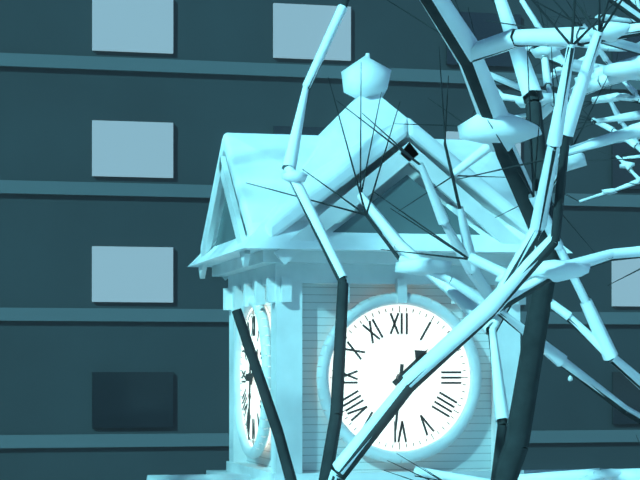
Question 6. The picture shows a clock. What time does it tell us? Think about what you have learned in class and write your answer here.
1:31
